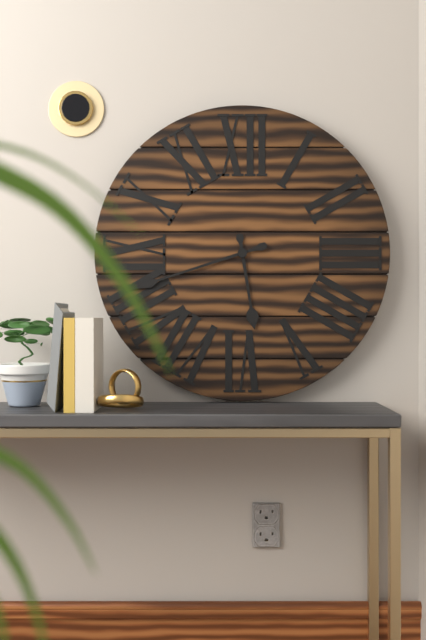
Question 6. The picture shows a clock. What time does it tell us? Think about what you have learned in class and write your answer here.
5:42
